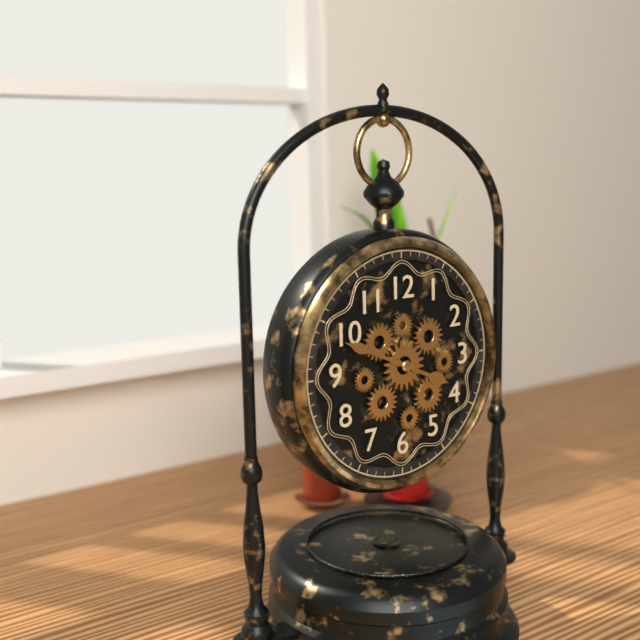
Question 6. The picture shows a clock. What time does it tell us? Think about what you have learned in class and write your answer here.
3:49
